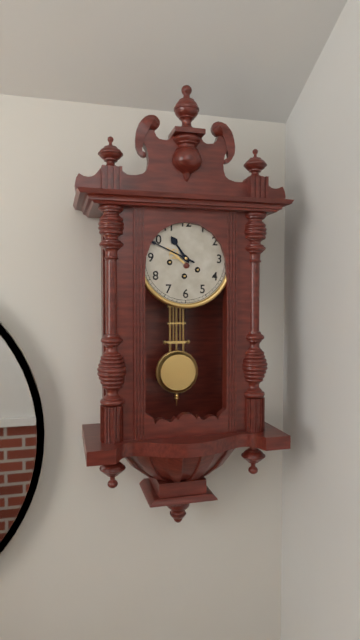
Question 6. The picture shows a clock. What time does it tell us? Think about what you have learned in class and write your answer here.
10:49
